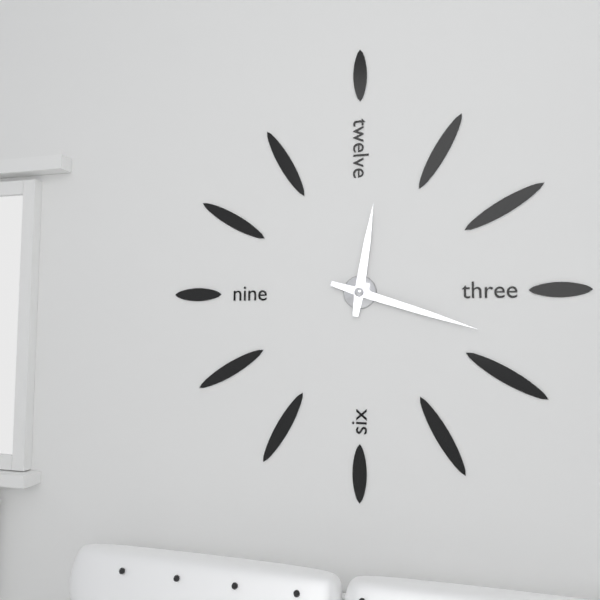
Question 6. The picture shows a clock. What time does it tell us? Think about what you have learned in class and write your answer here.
12:18
